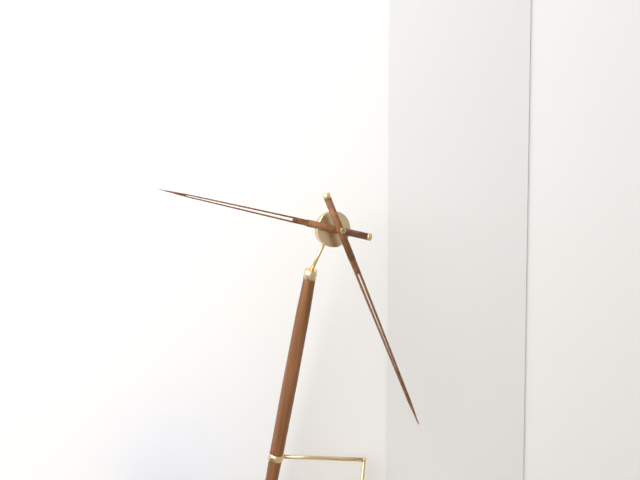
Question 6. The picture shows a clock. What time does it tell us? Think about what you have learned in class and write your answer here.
9:26
